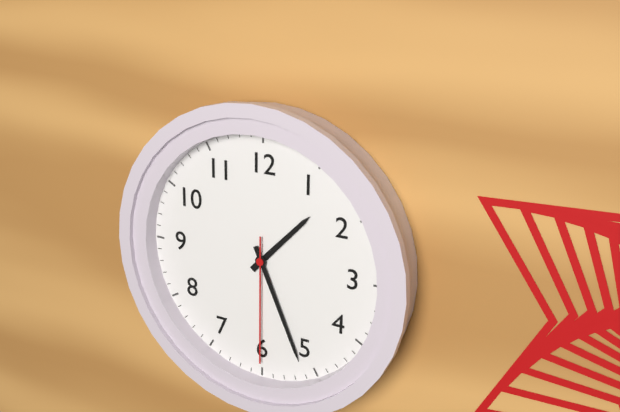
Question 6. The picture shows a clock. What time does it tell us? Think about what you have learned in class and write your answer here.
1:26:30
